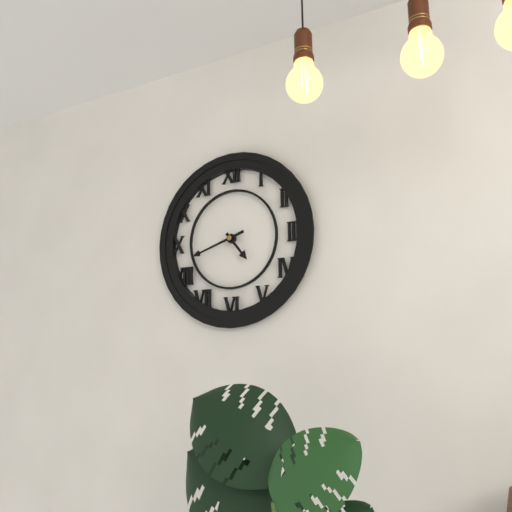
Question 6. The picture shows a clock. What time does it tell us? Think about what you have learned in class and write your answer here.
4:42
